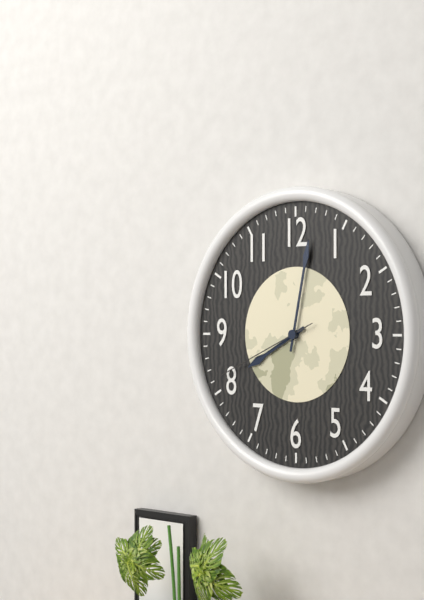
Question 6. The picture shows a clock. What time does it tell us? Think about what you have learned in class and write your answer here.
8:02:41
